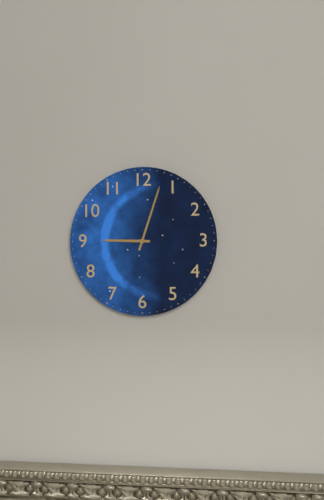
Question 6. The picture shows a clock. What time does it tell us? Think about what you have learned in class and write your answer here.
9:03
